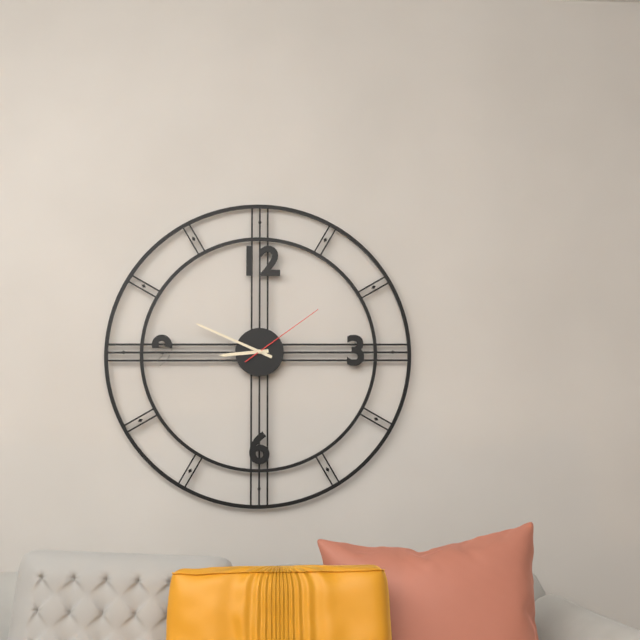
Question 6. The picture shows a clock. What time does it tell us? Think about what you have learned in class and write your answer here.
8:49:09
